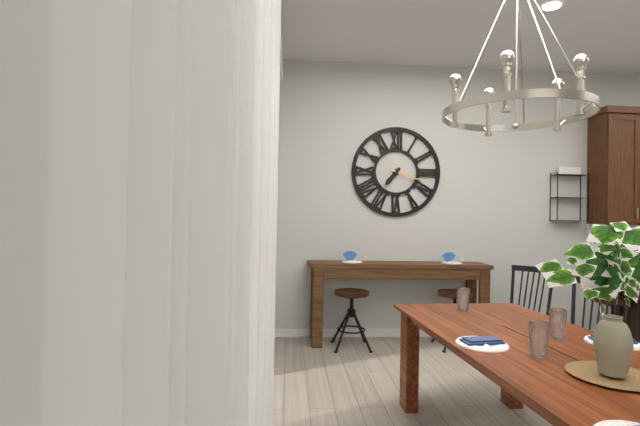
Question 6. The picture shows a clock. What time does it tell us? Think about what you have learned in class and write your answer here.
7:18
